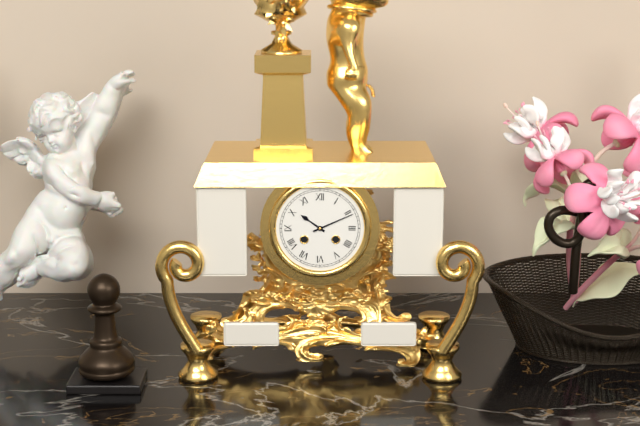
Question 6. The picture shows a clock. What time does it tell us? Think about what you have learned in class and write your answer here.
10:11
